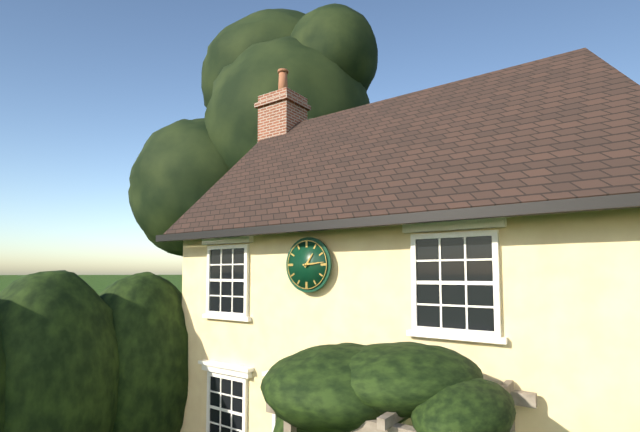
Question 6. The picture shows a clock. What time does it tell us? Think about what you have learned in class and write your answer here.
1:14
